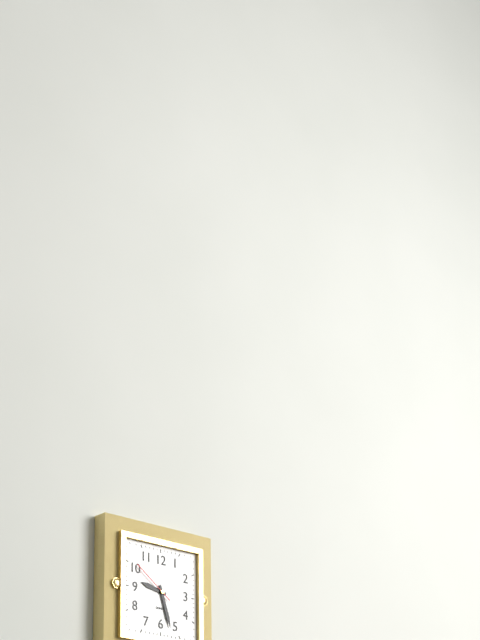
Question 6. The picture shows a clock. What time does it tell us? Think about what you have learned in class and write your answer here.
9:27
